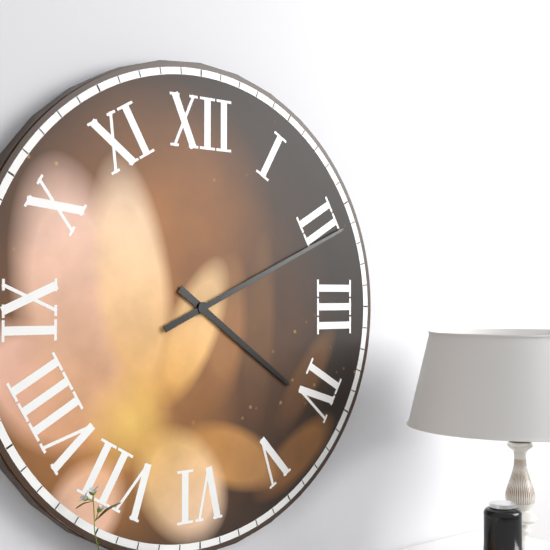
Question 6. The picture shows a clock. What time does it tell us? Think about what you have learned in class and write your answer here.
4:11
